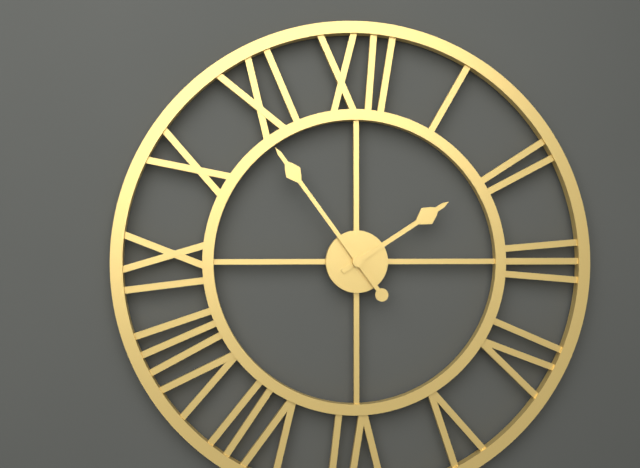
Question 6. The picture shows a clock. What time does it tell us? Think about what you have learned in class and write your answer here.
1:54
